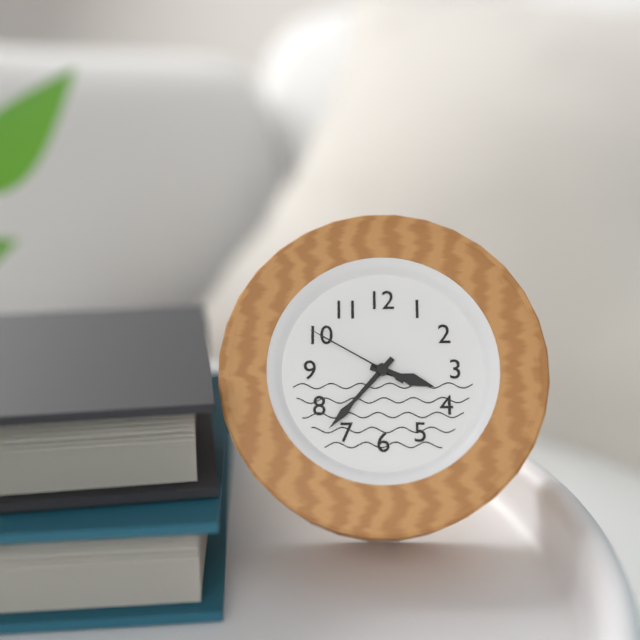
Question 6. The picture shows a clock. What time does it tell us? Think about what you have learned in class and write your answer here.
3:37:50
